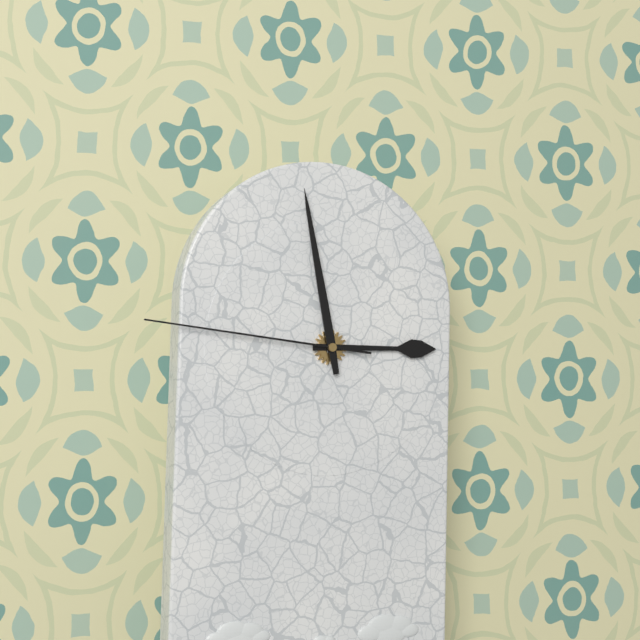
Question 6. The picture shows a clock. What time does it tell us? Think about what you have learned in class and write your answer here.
2:58:46
